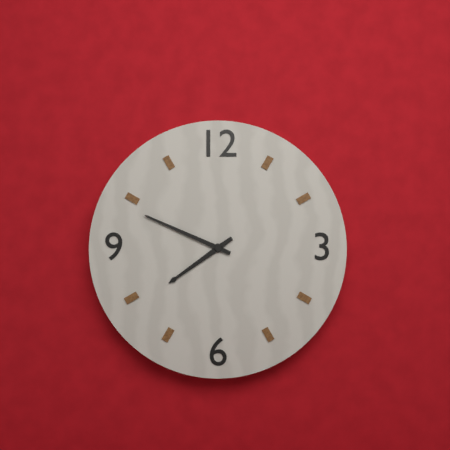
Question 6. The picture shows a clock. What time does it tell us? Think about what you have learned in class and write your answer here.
7:49
